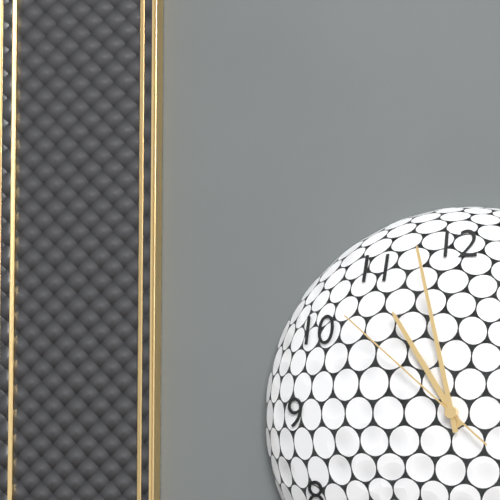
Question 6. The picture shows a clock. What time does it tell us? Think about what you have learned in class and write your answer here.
10:58:52
